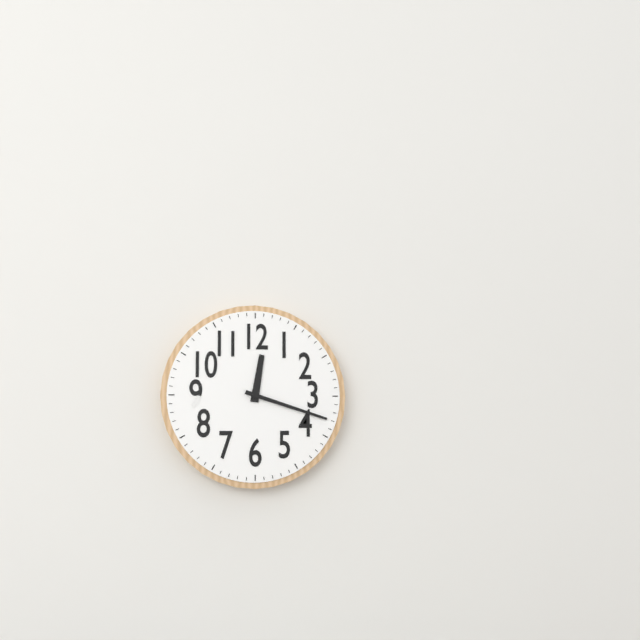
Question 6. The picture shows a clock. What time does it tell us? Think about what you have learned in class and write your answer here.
12:18
